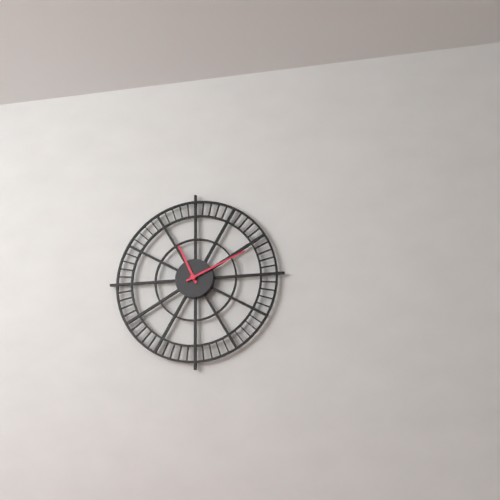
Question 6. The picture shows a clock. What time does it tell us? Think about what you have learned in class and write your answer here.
11:11
